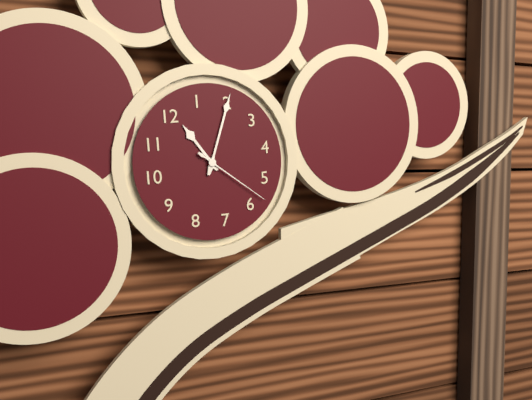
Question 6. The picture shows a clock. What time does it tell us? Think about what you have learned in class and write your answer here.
12:10:28
